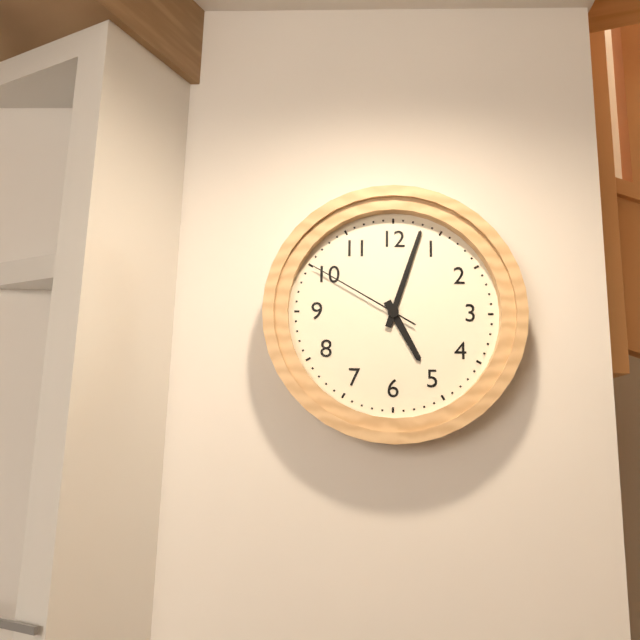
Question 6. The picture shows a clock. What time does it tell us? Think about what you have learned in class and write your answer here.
5:03:50
